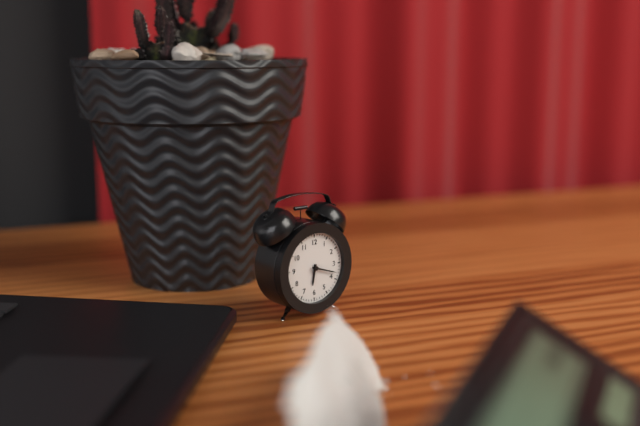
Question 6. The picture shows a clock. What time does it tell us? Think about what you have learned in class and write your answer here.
6:18
